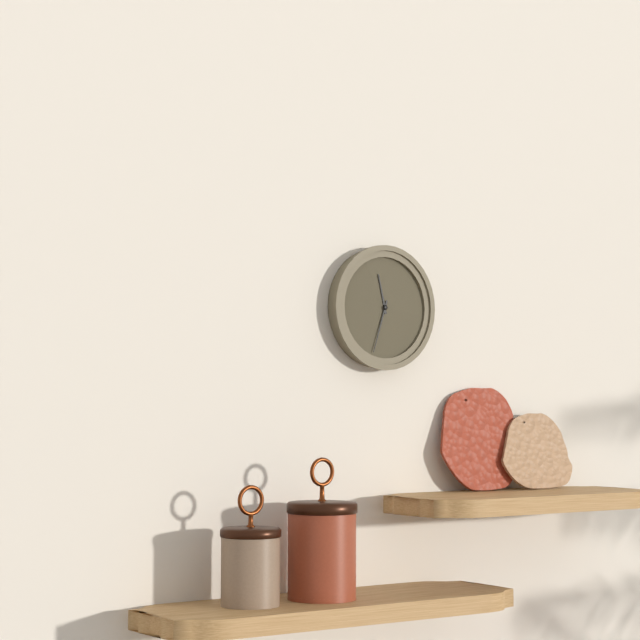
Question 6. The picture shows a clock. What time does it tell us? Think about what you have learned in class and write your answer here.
11:33
